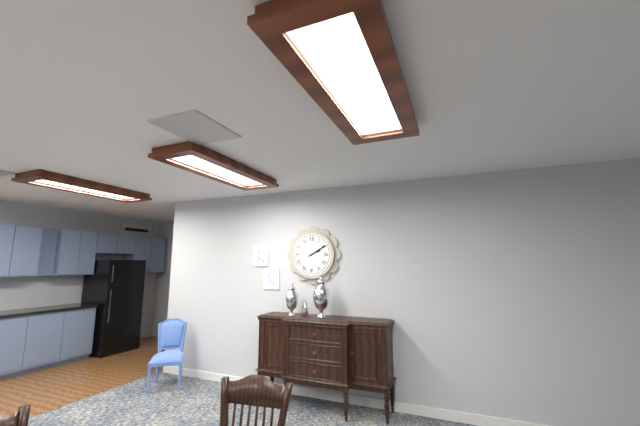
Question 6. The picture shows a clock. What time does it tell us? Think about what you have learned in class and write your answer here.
2:10
